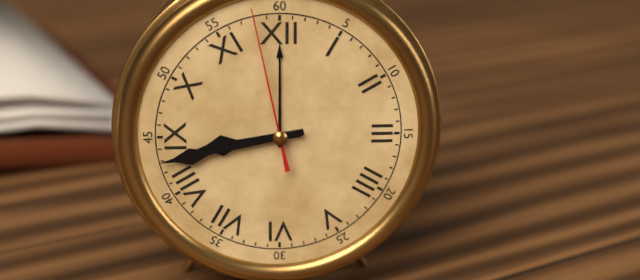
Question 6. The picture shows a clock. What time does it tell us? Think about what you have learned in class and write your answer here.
8:43:58
